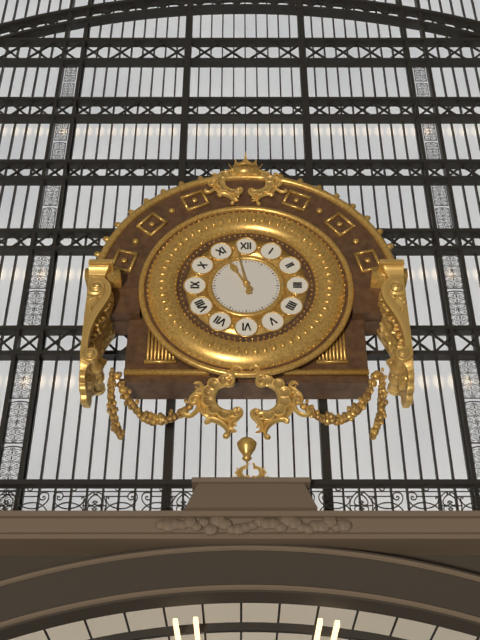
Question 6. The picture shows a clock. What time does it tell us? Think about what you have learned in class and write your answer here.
10:58
